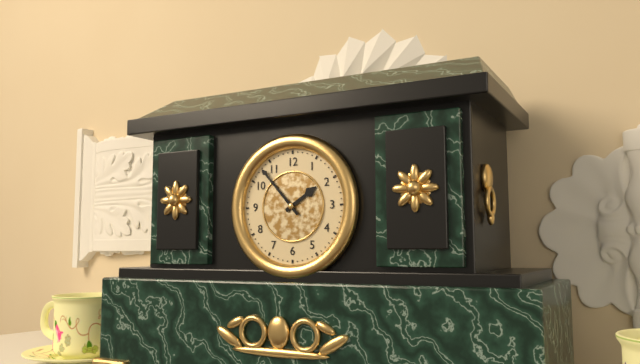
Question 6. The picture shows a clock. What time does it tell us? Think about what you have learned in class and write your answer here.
1:53
